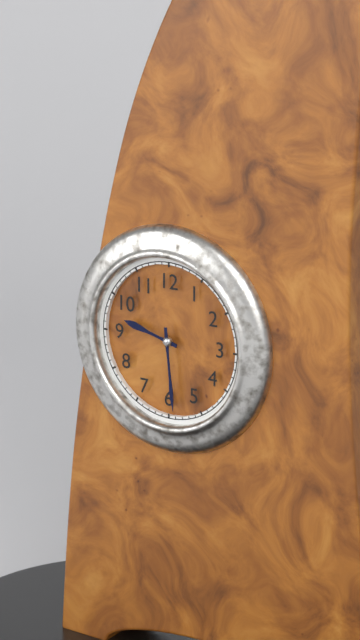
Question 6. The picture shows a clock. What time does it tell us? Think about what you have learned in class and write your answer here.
9:29
